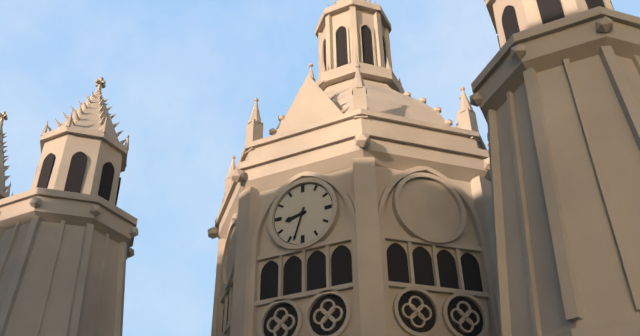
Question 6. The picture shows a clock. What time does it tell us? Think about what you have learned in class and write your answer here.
8:33
